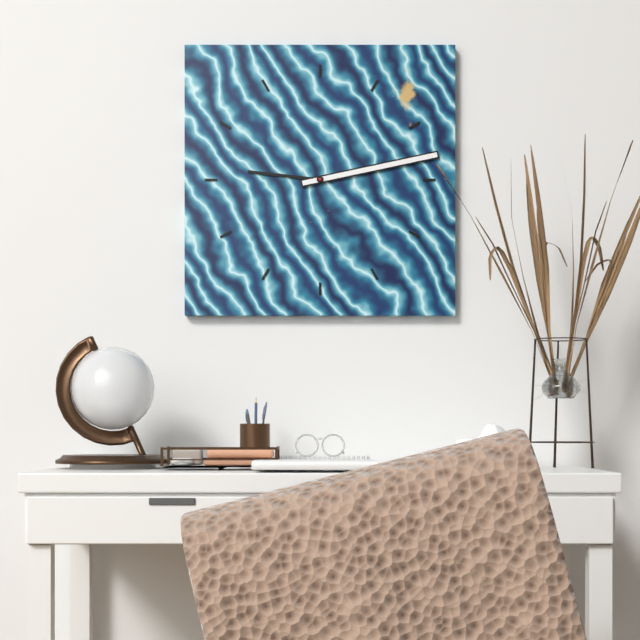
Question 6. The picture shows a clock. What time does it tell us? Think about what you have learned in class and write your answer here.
9:13
